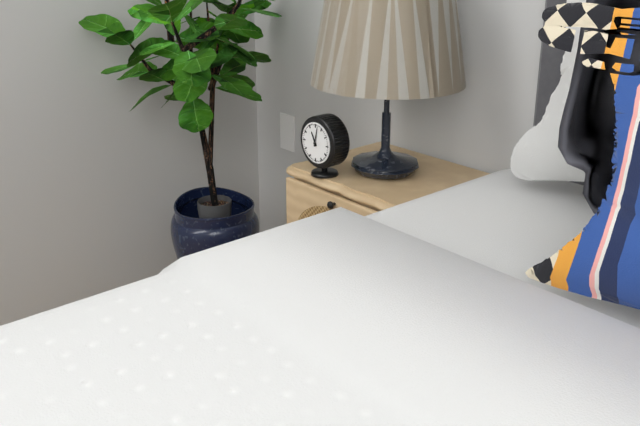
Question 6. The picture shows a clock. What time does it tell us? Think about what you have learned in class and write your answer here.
11:02
